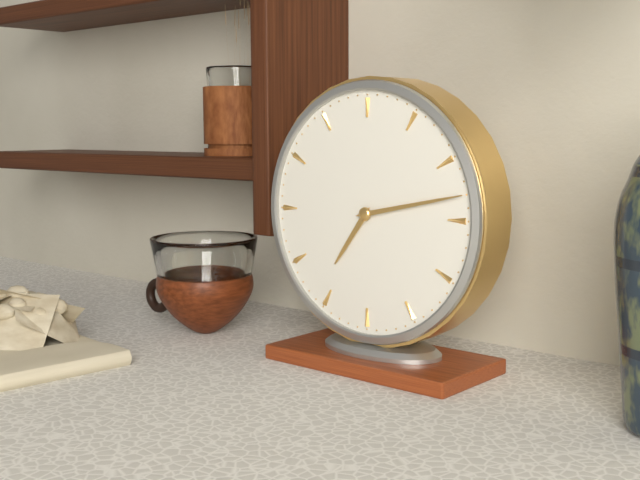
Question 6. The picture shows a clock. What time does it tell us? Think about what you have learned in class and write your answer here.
7:13
